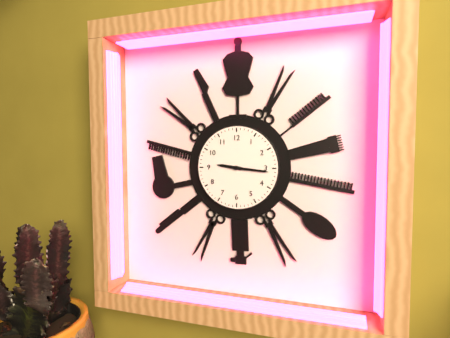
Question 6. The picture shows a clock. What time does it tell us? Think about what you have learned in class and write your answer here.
9:16
